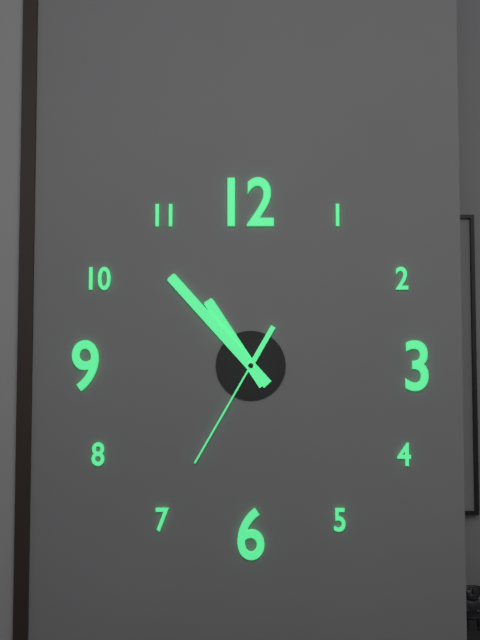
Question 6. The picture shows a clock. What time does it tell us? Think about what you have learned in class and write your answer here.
10:53:35
